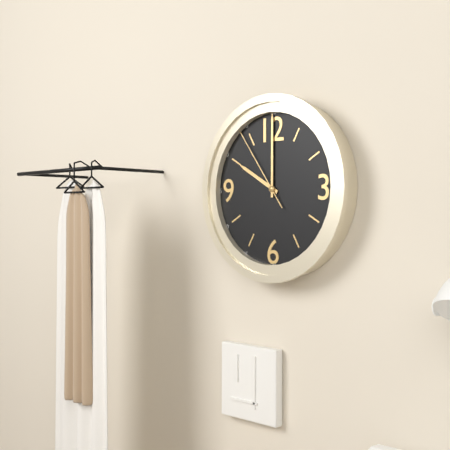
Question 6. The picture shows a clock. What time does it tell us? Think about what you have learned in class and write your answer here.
10:00:54
